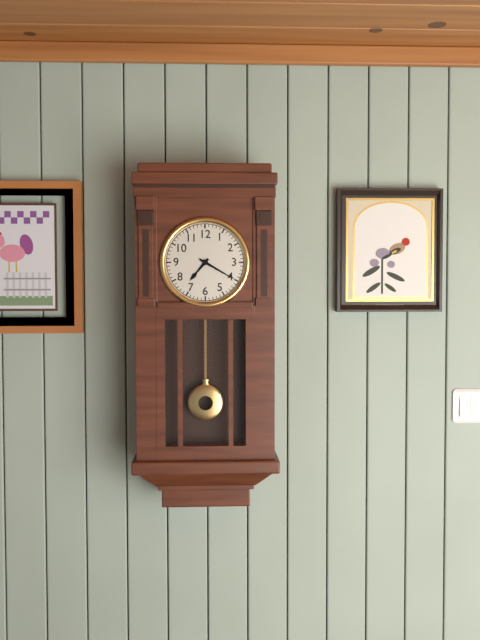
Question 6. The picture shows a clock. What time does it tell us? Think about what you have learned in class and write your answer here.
7:20
